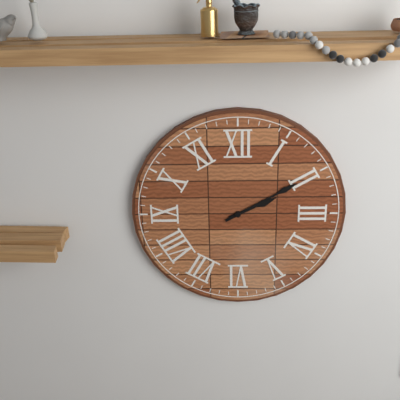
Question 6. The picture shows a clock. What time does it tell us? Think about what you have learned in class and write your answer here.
2:10
